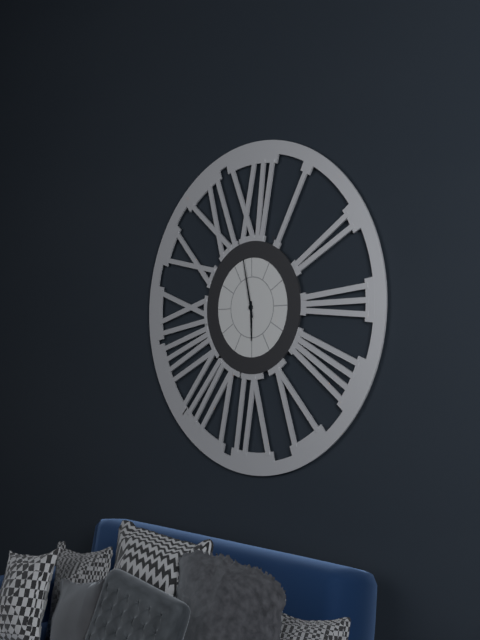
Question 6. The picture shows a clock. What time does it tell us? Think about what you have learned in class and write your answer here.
5:58
